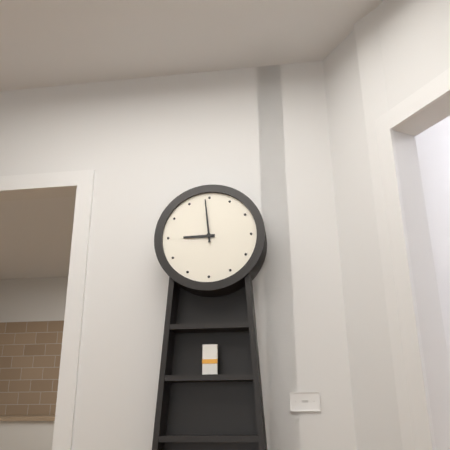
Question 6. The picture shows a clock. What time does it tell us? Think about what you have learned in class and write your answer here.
8:59
